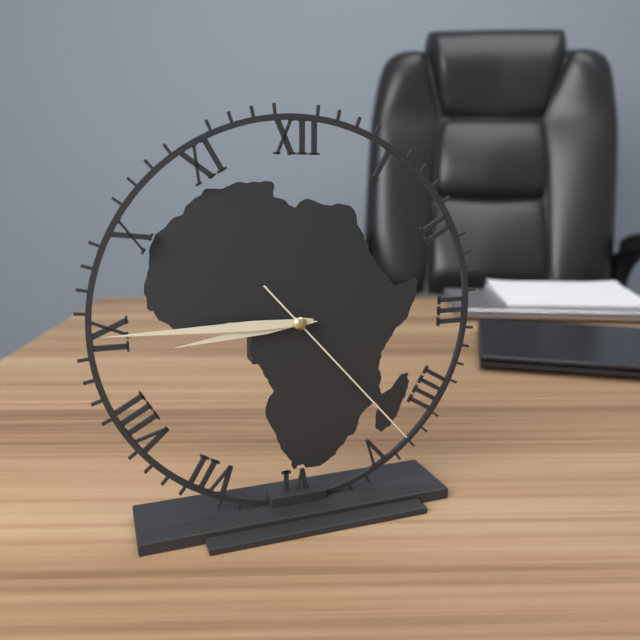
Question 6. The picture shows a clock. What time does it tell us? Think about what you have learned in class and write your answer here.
8:45:23
